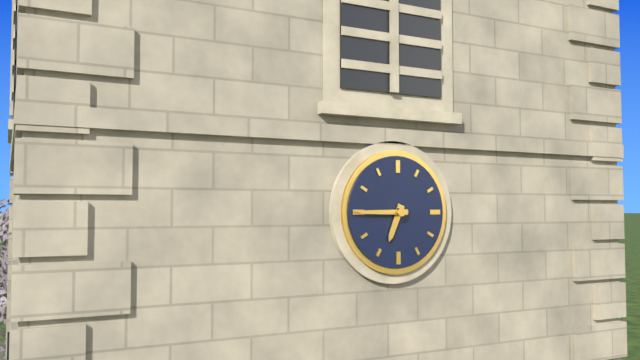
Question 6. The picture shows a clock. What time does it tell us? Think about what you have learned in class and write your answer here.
6:45
